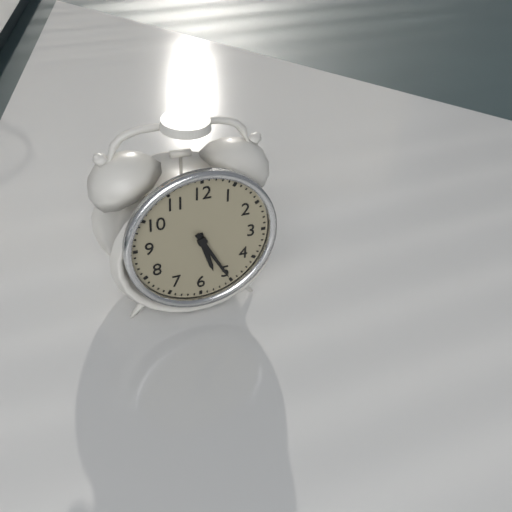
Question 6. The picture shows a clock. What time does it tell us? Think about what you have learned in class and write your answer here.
5:25
